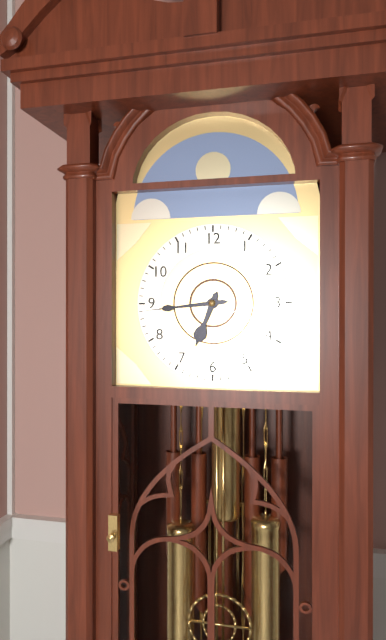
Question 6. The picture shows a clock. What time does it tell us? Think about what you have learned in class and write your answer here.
6:44
